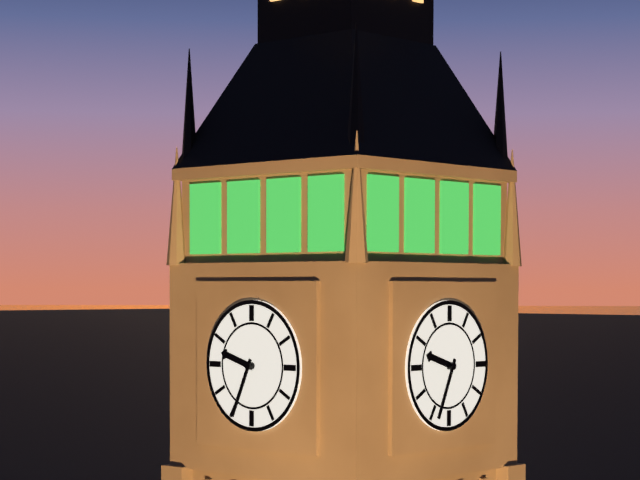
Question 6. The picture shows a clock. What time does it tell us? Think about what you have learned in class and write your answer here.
9:34
